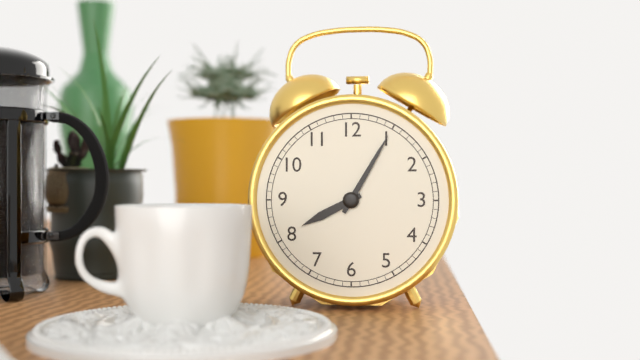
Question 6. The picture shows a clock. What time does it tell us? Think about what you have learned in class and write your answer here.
8:05
